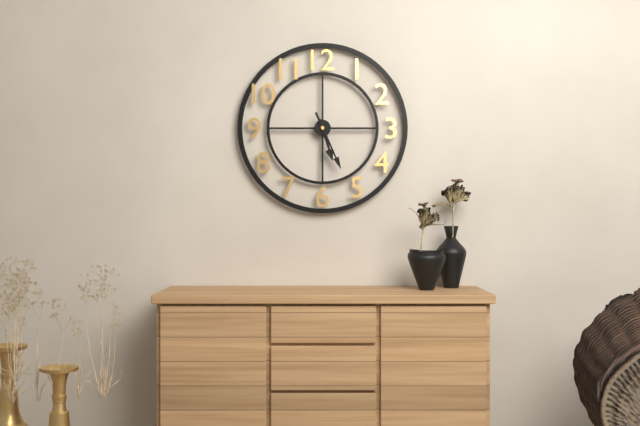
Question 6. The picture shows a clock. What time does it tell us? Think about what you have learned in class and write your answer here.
5:26
